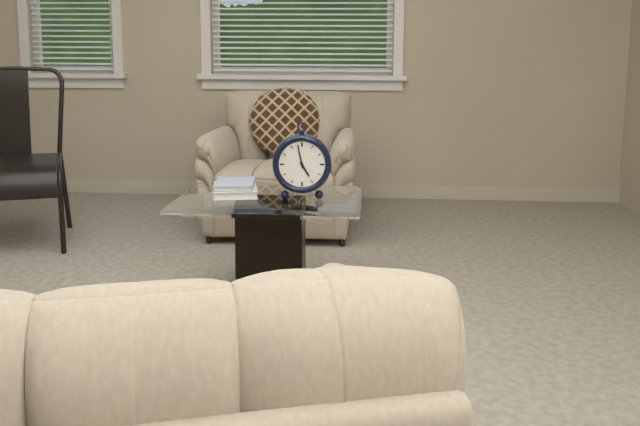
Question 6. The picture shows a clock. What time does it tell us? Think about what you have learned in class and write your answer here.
4:58
